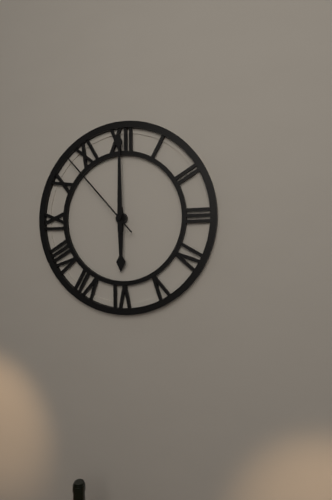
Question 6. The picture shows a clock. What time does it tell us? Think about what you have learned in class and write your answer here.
6:00:53
